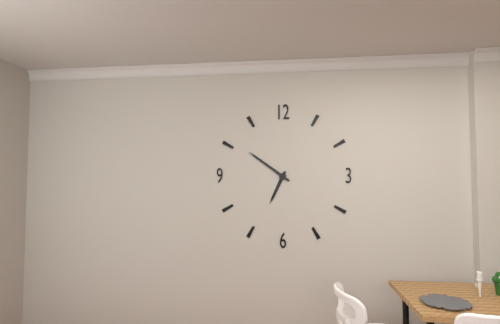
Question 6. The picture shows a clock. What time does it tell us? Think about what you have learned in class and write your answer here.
6:51
